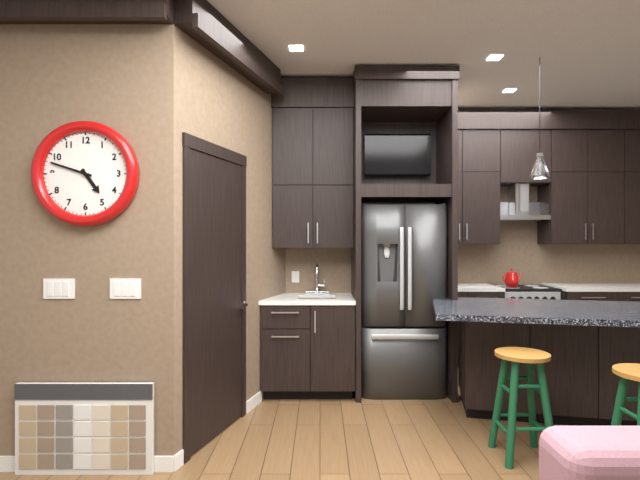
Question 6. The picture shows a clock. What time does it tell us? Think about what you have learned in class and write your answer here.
4:48
